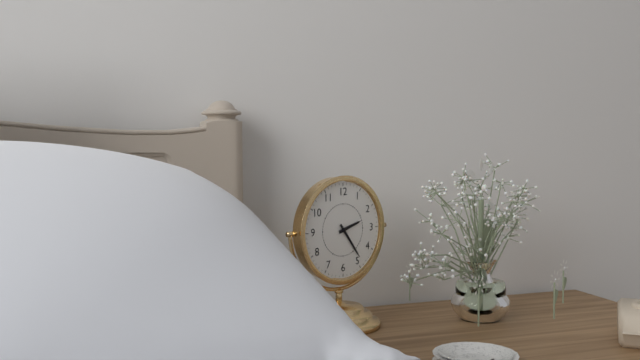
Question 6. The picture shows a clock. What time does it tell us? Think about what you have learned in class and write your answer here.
2:24
